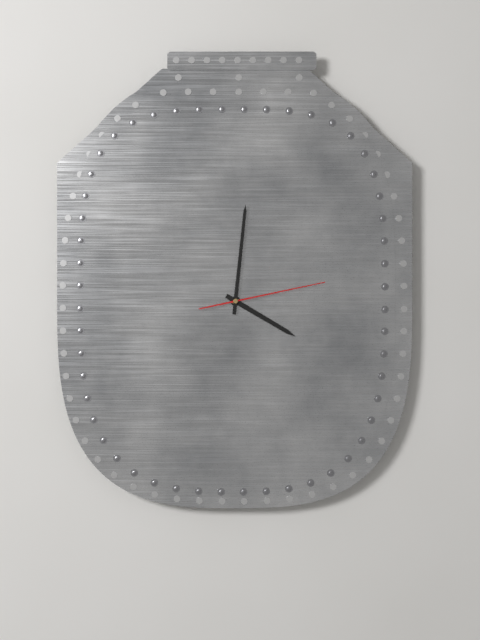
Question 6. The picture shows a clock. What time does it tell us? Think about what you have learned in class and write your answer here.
4:01:13
